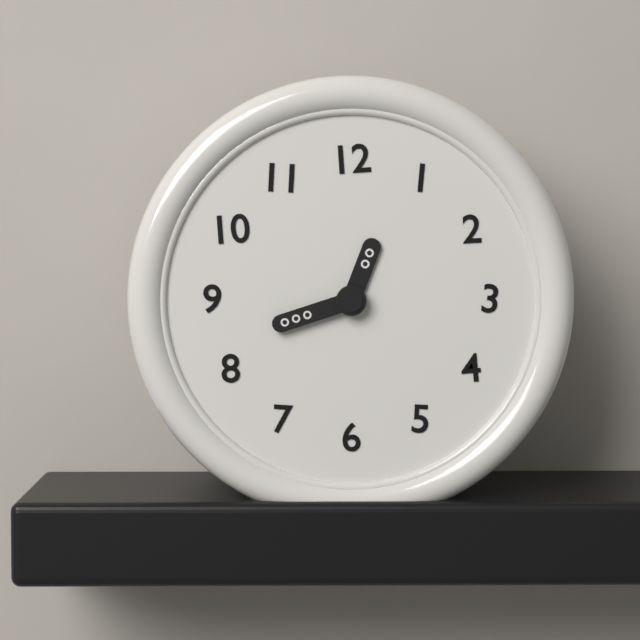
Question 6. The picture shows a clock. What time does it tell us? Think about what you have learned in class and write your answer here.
12:42
